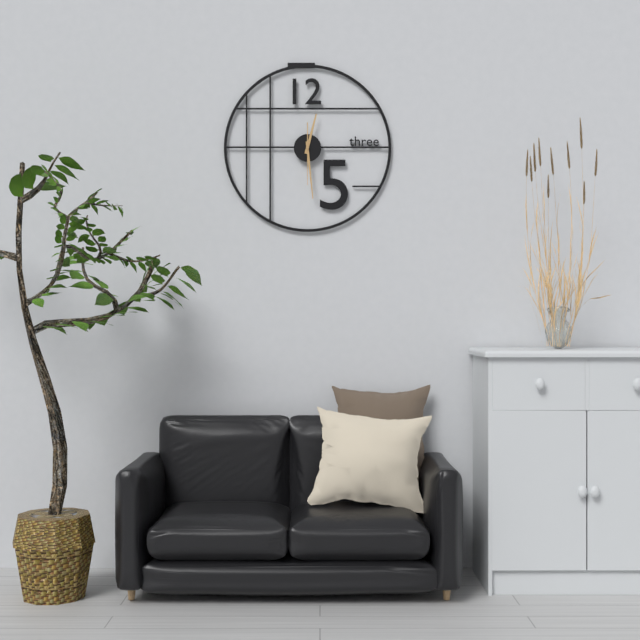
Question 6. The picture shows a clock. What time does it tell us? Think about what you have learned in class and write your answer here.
12:29
